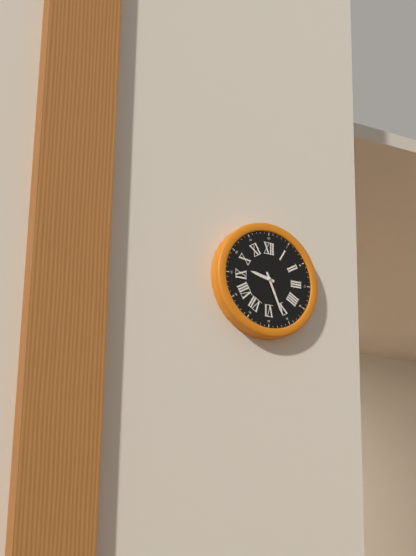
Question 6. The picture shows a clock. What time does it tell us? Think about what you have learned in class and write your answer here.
9:26
